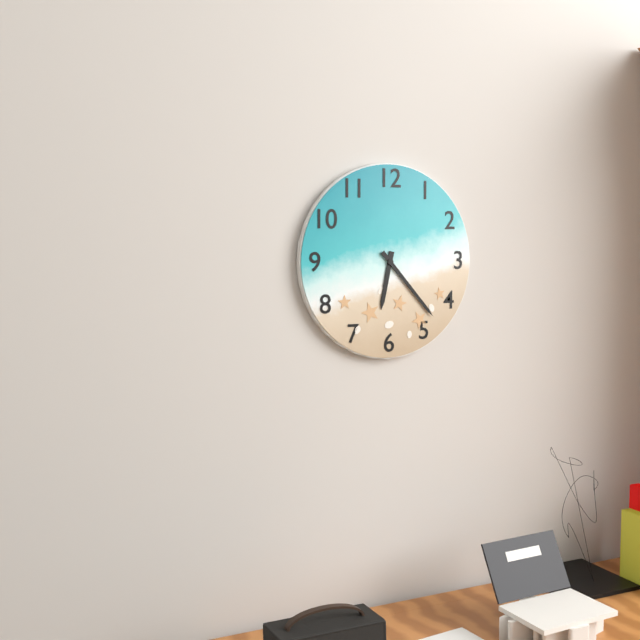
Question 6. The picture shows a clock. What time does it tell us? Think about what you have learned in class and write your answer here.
6:23
